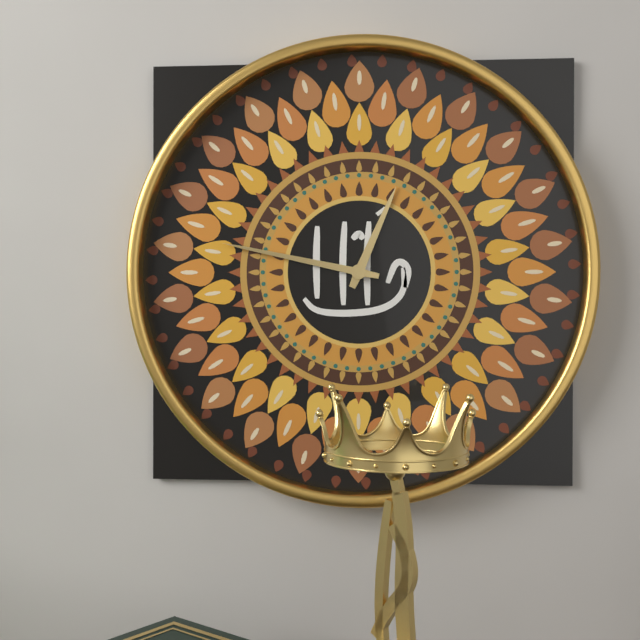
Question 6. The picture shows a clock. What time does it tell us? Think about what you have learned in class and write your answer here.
12:47
